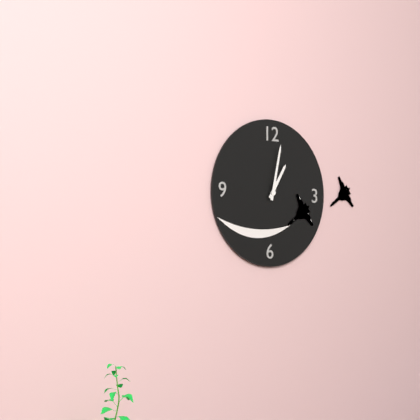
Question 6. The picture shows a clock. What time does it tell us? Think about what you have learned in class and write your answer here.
1:02
